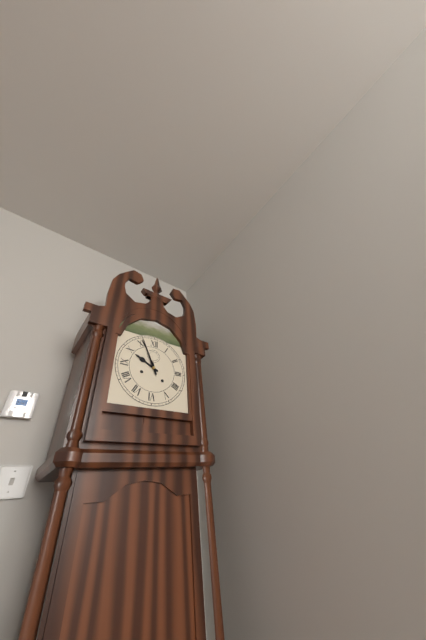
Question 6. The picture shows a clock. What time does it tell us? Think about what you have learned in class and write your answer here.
9:56
